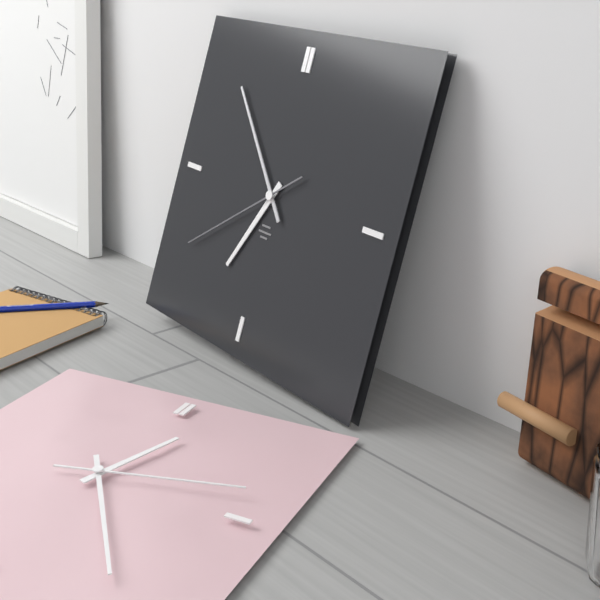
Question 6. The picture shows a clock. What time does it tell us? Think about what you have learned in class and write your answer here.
6:53:39
